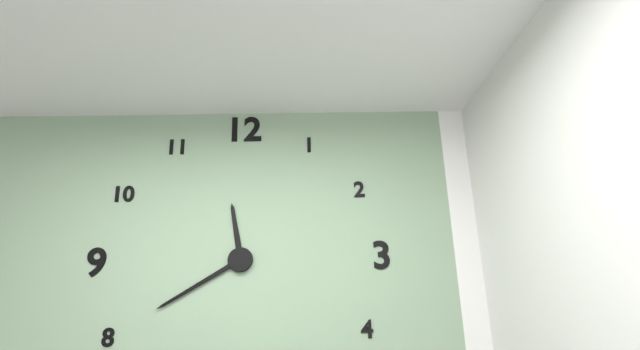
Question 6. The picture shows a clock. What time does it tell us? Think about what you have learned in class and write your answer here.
11:40
